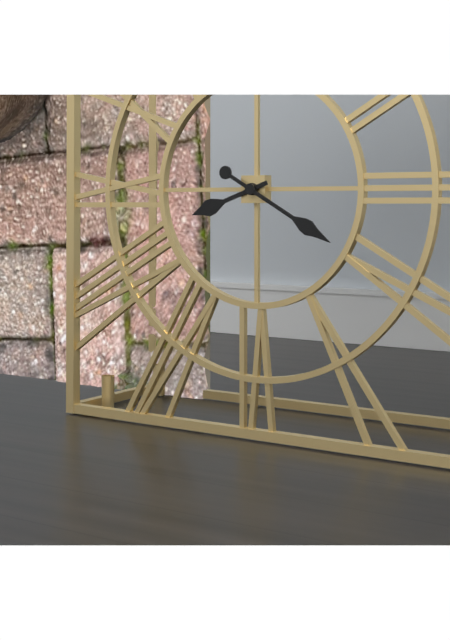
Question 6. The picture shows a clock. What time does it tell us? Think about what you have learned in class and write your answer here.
8:20
